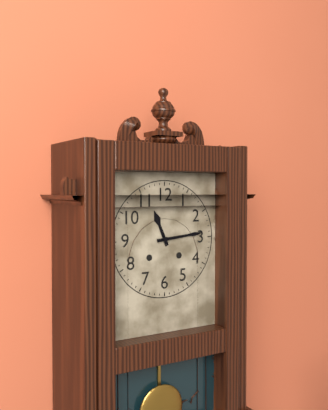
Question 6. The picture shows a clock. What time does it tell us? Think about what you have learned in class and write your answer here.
11:14
